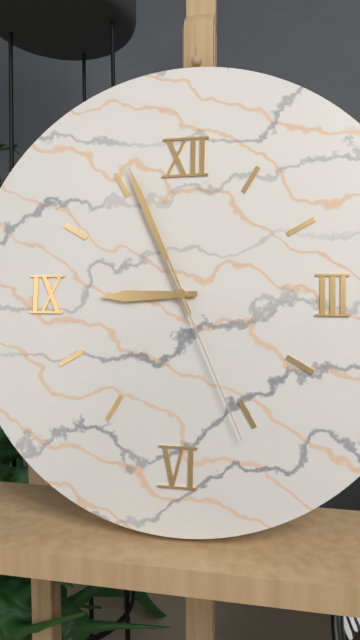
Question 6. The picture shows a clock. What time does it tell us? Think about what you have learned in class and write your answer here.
8:56:26
